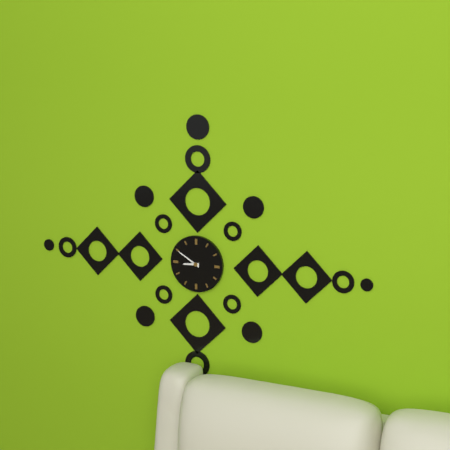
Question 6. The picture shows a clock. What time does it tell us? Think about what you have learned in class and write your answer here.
8:50
